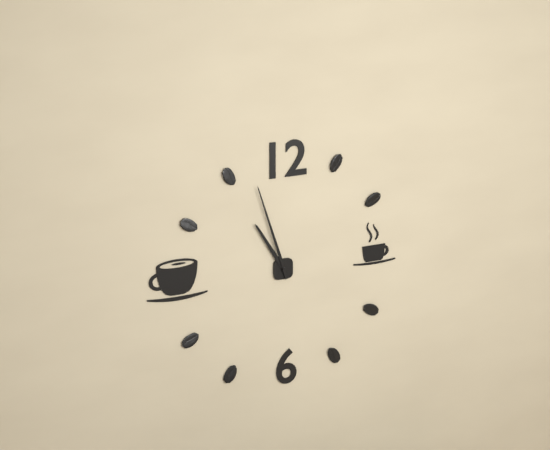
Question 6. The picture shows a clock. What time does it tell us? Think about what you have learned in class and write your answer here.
10:57
